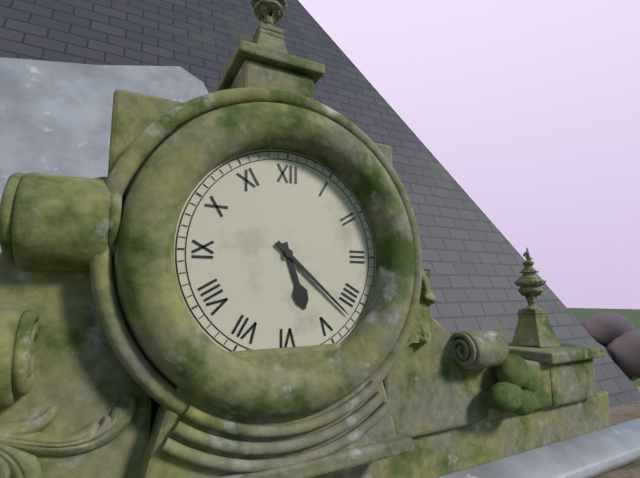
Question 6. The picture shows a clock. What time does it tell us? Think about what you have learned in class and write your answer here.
5:22
